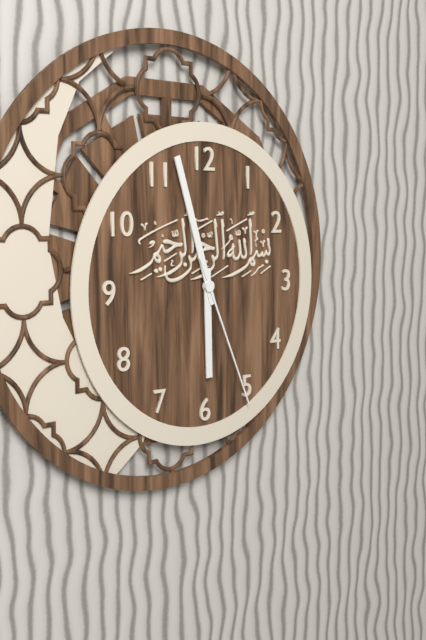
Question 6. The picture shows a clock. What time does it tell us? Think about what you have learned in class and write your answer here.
5:57:26
